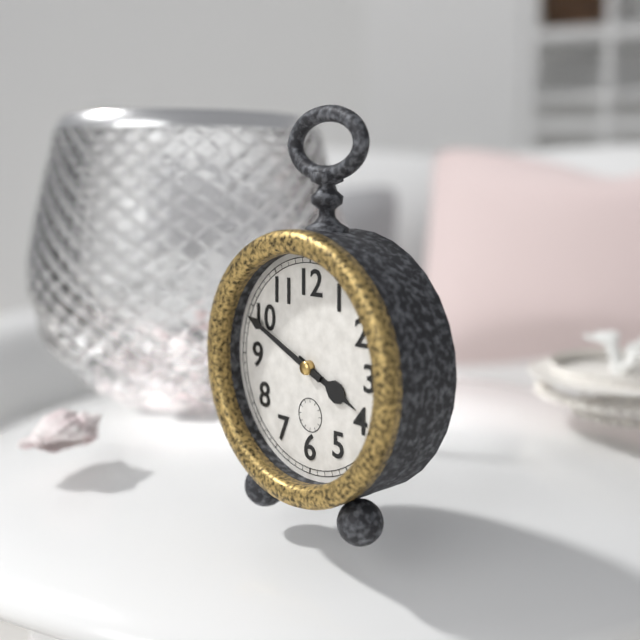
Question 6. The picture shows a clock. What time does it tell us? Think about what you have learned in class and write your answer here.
3:49
